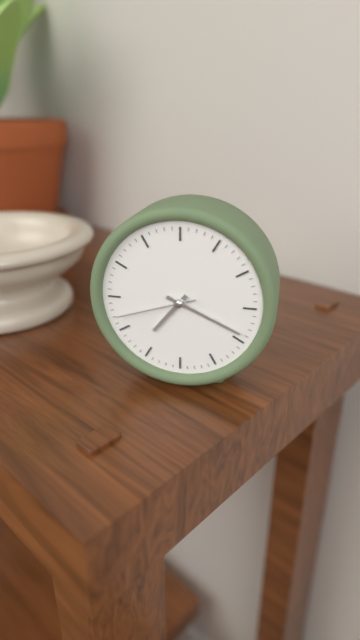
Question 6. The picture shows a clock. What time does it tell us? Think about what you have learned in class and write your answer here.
7:19:42
